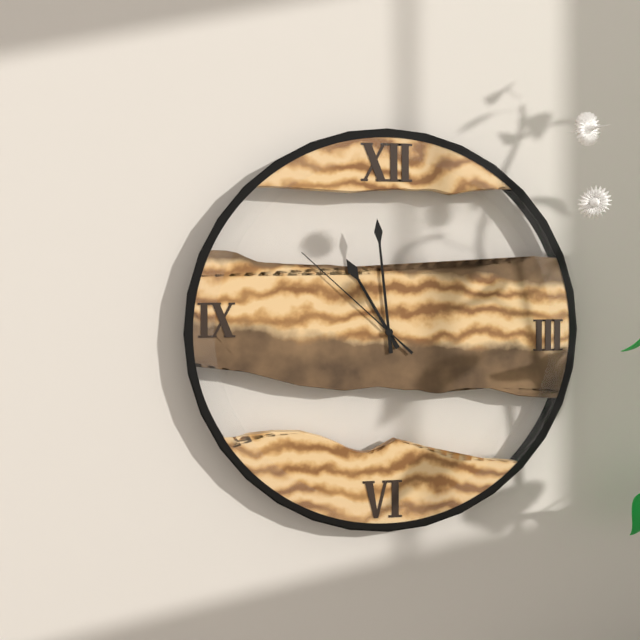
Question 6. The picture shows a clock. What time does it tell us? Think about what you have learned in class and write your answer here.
10:59:52
